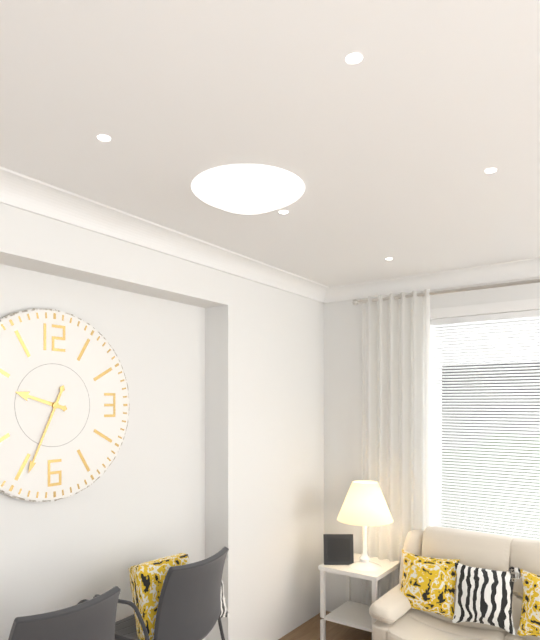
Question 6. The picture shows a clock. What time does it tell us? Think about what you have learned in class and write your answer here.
9:34
